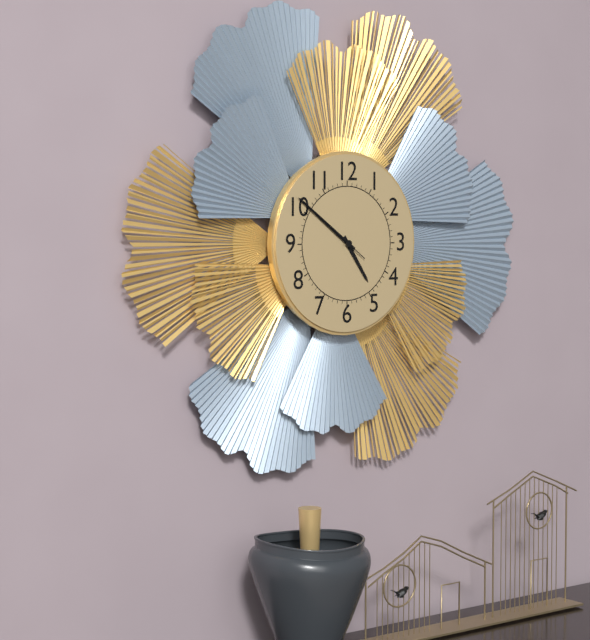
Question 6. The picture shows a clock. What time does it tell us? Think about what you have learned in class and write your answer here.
4:51:51
